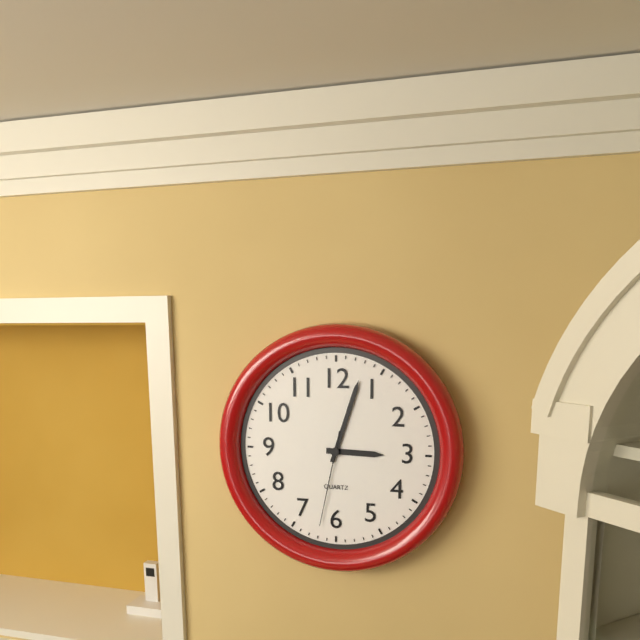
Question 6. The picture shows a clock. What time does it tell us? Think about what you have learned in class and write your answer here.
3:03:32
